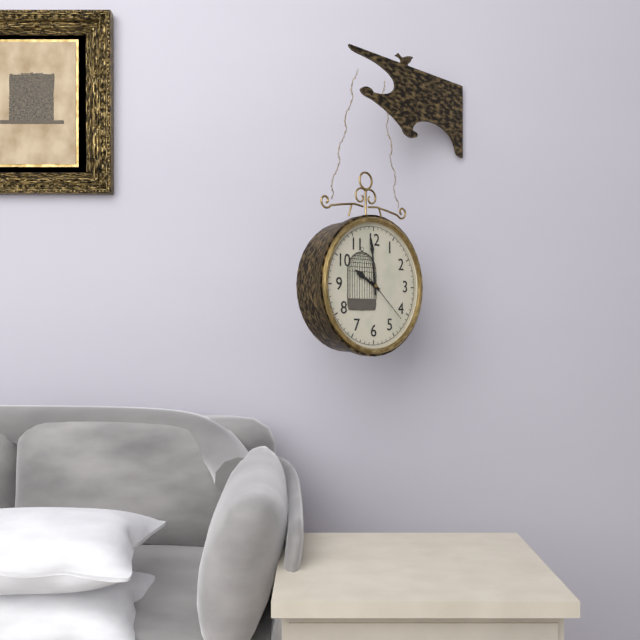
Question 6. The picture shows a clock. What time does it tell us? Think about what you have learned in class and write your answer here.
9:59:22
